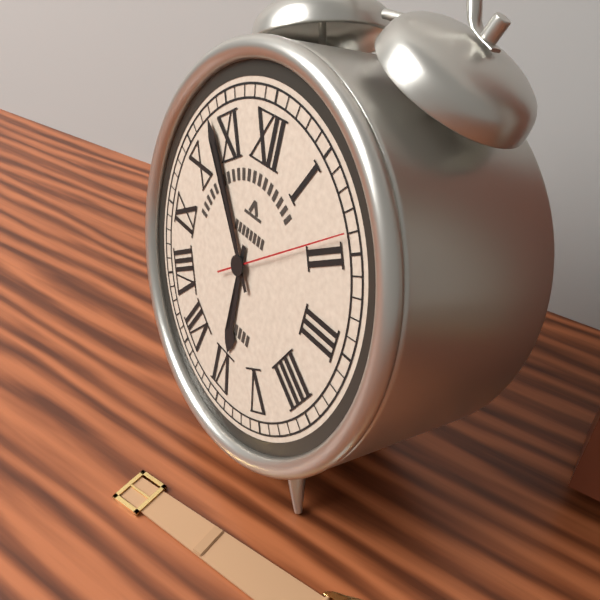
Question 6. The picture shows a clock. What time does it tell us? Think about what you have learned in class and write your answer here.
5:53:09
